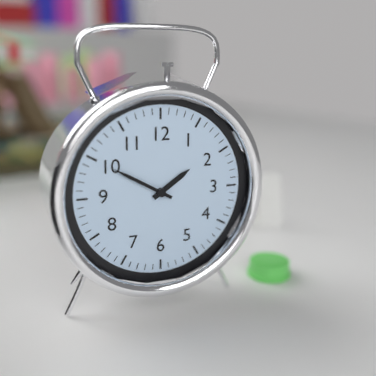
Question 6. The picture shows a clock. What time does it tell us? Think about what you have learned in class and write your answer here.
1:50
